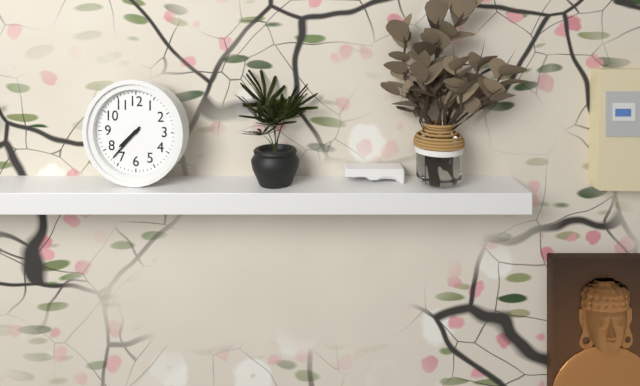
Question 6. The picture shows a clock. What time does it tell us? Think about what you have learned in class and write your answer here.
7:37
